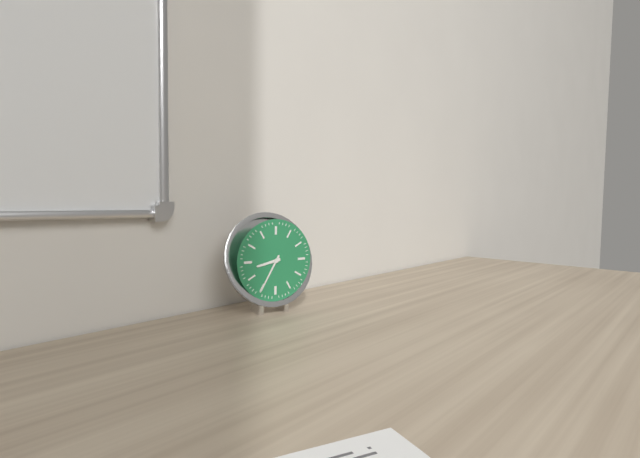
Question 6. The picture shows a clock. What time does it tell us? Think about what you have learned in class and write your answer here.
8:35
